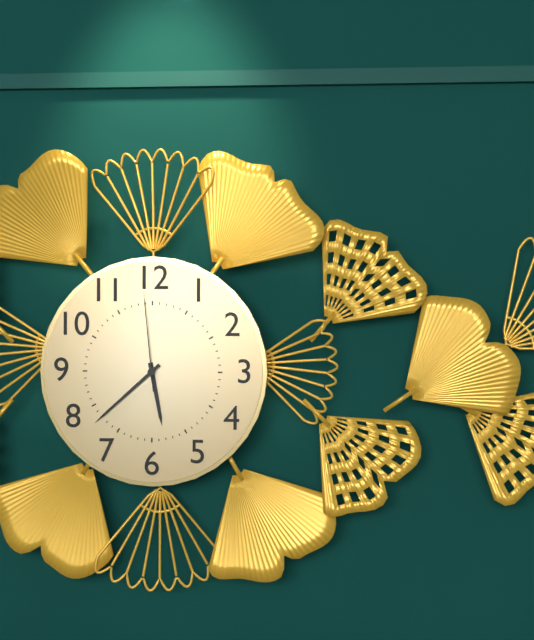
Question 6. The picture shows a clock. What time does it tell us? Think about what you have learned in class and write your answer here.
5:38:59
